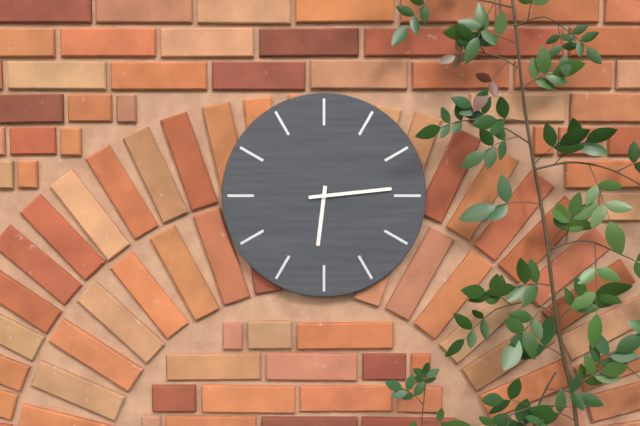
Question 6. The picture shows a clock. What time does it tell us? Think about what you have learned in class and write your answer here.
6:14
